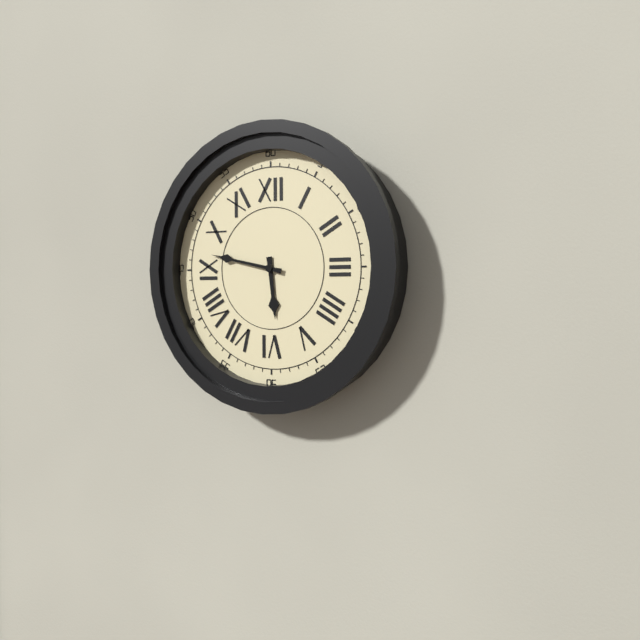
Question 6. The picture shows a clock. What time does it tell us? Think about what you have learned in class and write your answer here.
5:47
